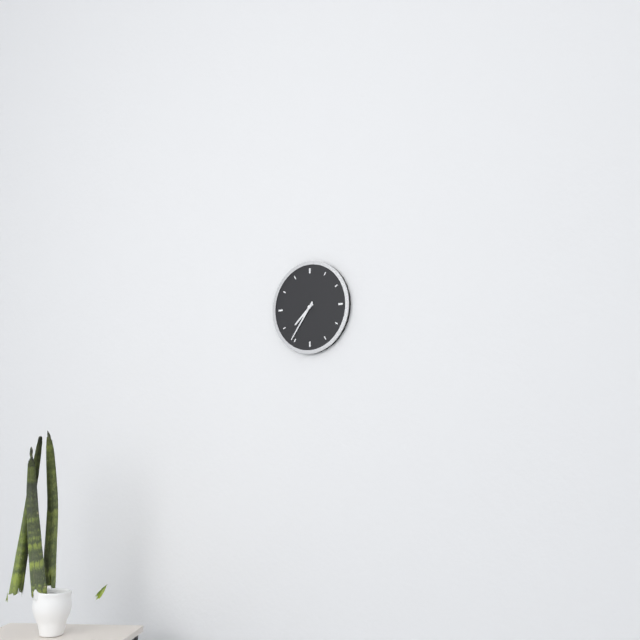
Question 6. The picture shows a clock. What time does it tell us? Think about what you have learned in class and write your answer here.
7:36
